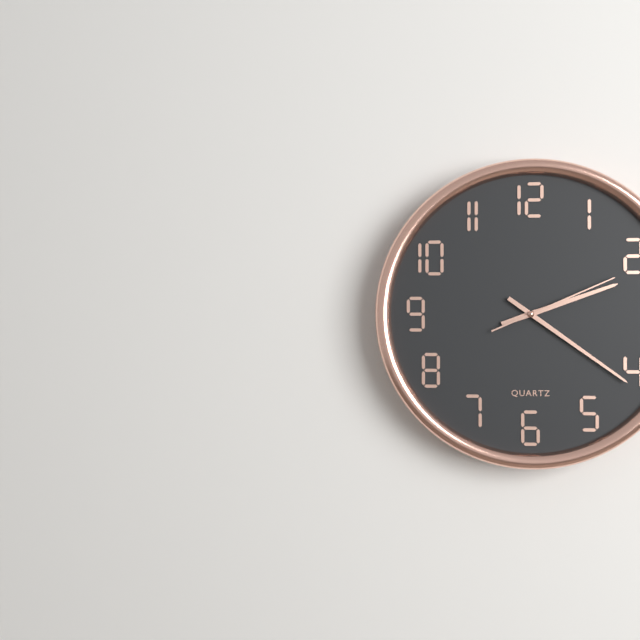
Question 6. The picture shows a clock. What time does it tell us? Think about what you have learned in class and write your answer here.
2:21:11
